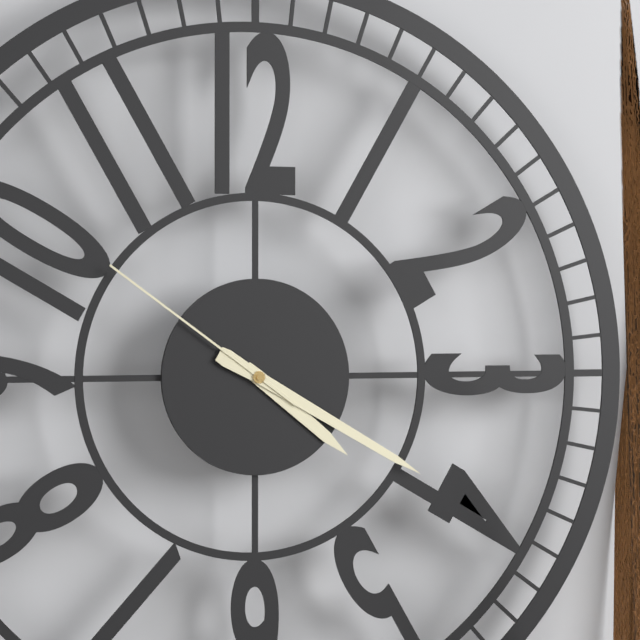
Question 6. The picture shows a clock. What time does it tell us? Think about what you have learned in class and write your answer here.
4:20:51
